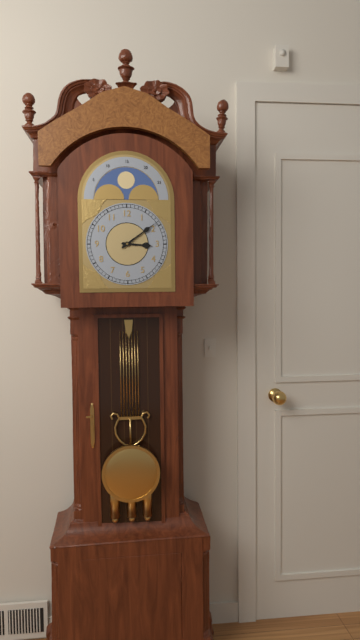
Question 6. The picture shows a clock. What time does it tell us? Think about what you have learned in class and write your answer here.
3:09
